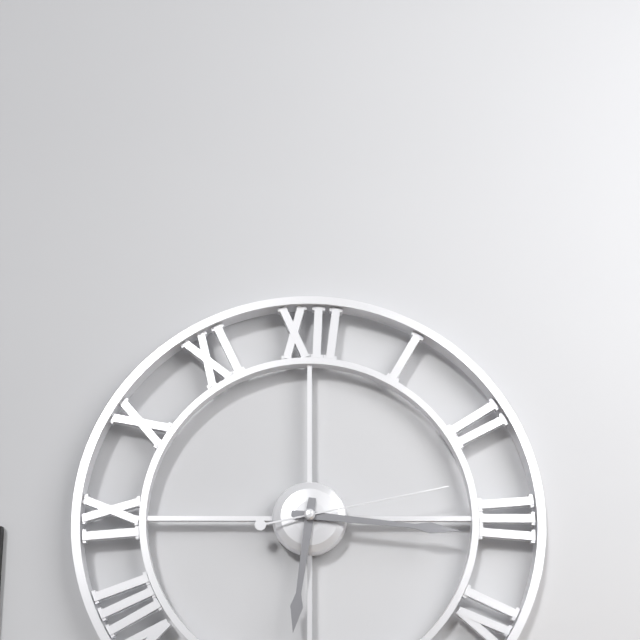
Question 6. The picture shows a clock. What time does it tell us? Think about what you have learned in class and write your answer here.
6:16:13
